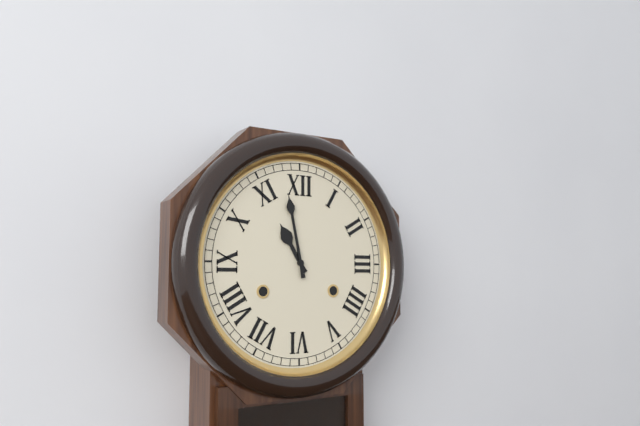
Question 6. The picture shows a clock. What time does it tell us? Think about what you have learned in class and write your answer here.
10:58
